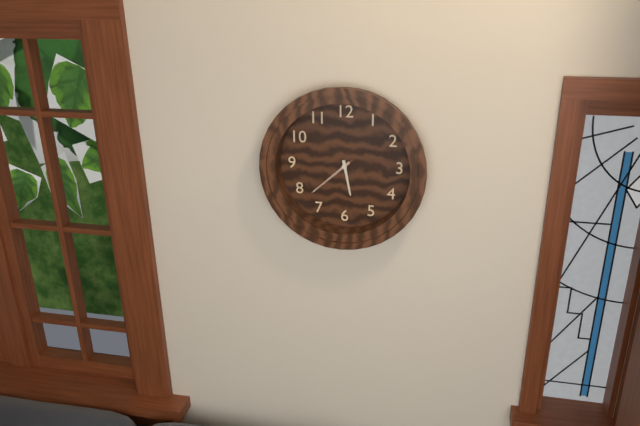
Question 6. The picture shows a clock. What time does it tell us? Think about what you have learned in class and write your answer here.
5:38
